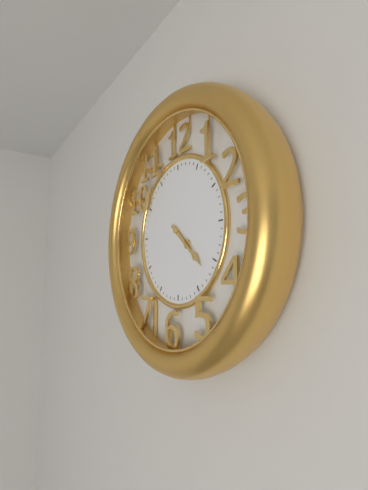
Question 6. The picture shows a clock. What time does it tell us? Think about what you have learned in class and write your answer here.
4:22
